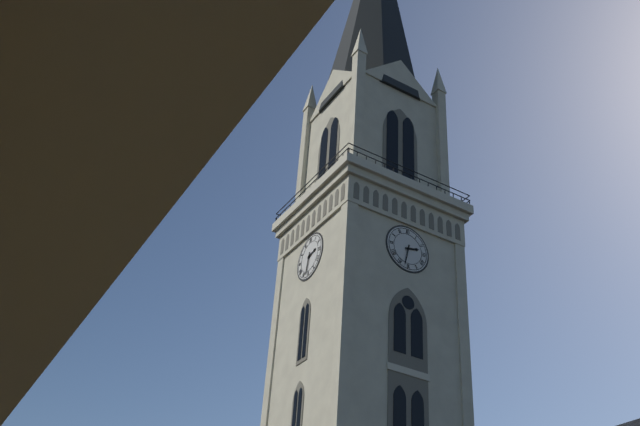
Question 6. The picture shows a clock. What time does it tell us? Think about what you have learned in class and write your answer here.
2:32
